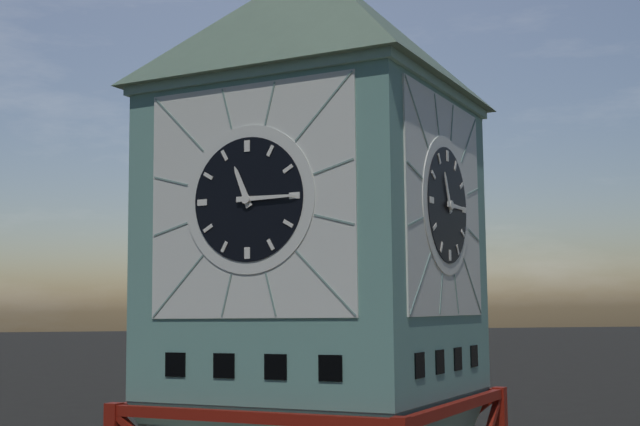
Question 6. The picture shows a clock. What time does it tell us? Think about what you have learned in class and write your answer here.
11:15
